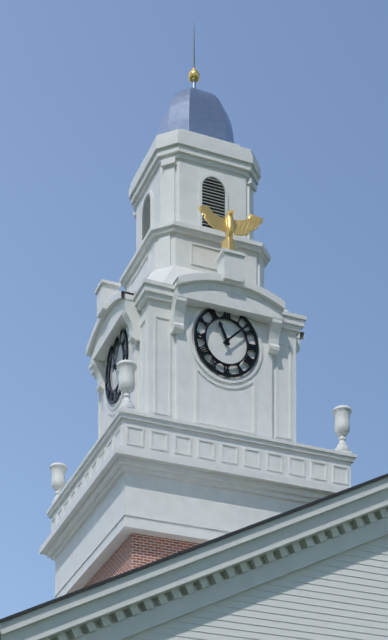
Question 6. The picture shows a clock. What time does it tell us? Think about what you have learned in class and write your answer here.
11:08
